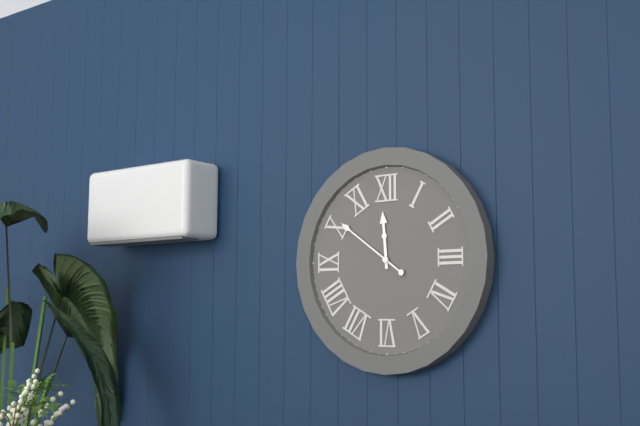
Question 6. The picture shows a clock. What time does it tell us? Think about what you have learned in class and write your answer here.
11:51
